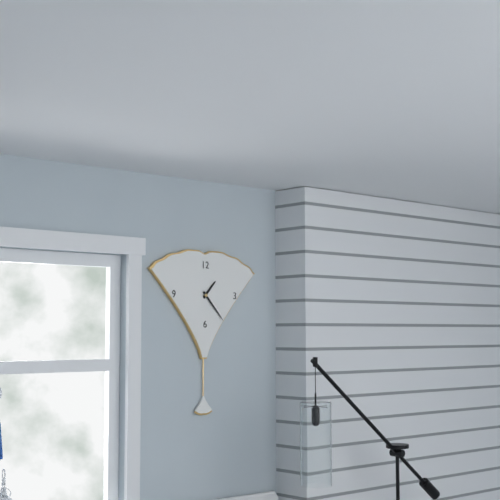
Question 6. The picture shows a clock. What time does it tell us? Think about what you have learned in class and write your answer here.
1:23
